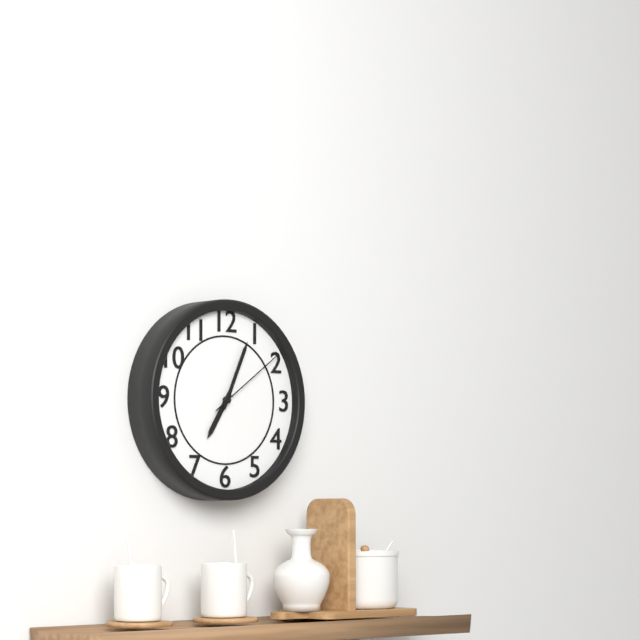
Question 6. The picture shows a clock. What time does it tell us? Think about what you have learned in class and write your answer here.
7:04:09
